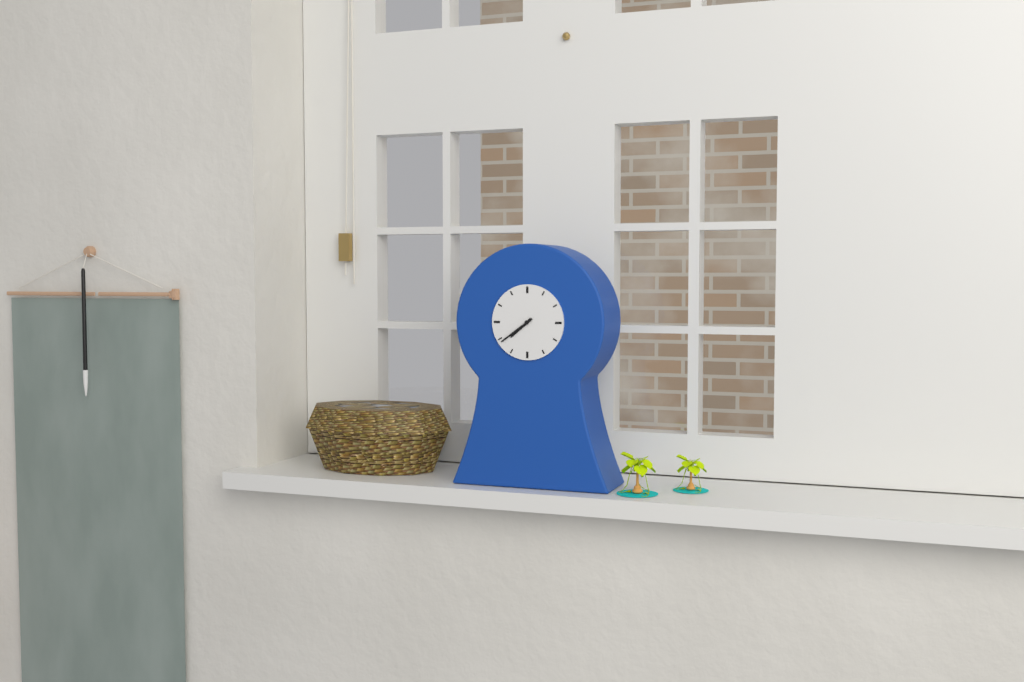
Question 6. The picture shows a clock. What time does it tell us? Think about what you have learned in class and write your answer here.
7:39
